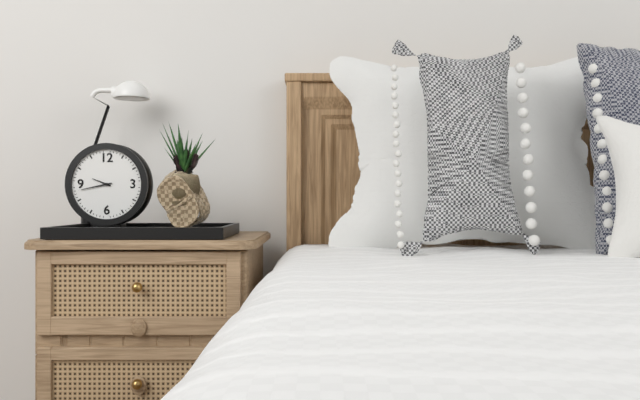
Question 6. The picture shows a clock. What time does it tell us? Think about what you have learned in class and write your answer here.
9:43
